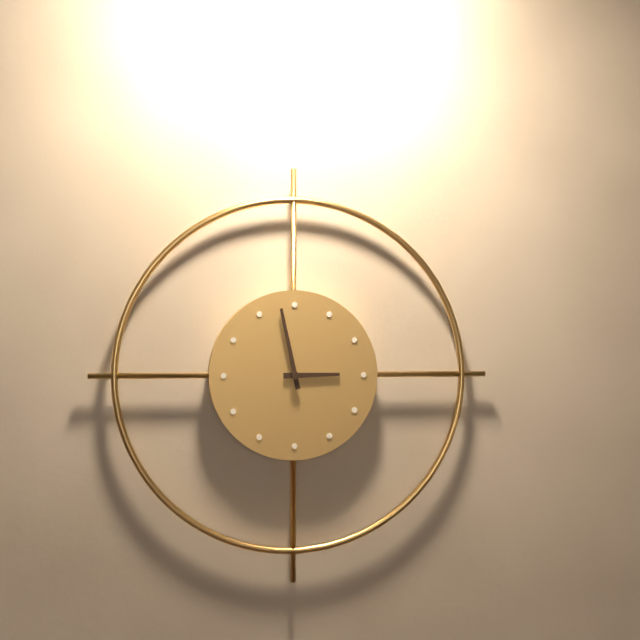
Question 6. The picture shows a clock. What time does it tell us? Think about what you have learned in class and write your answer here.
2:58
